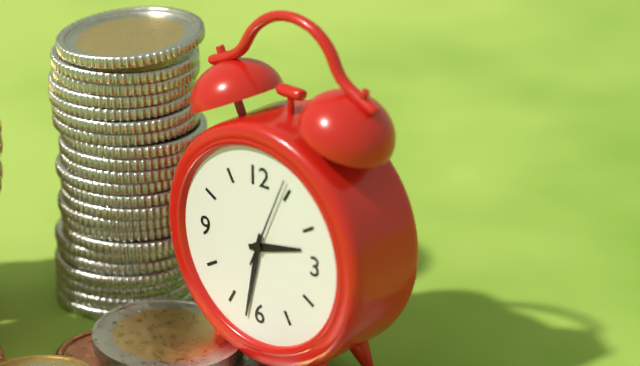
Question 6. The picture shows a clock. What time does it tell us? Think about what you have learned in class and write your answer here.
2:32:04
